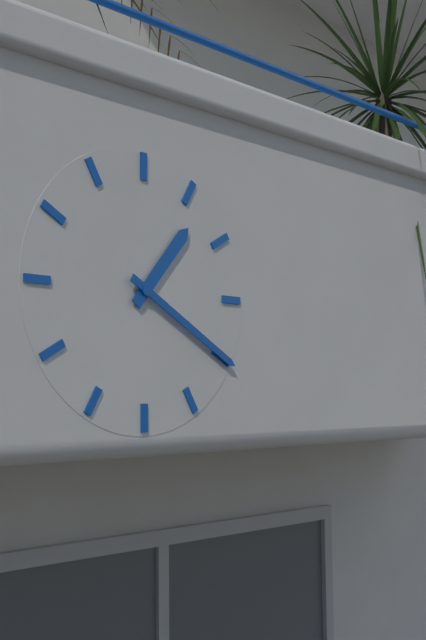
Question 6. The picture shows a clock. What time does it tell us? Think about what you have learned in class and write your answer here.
1:20
